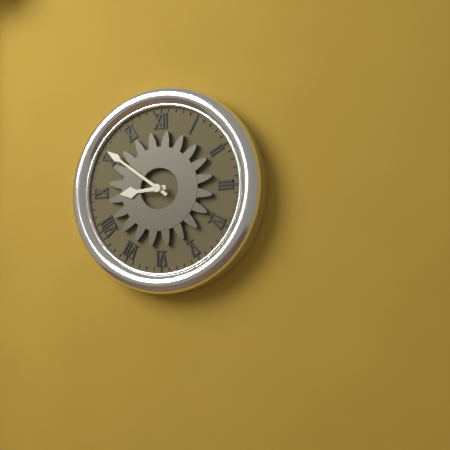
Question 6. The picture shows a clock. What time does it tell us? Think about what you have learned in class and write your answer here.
8:51
